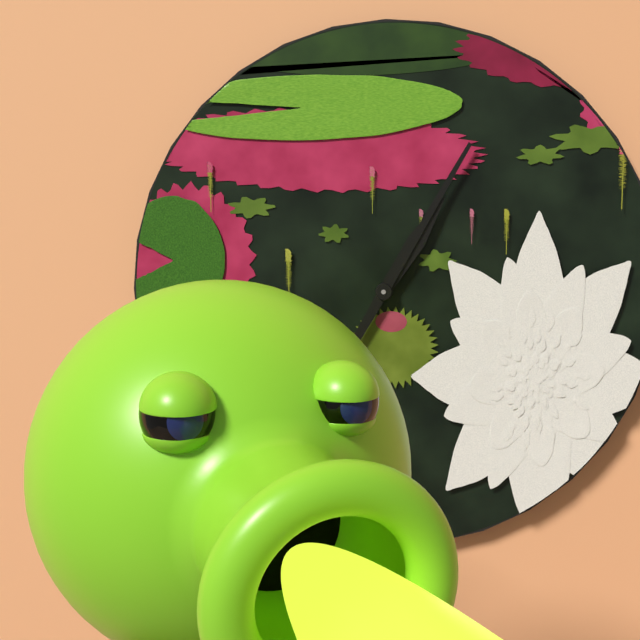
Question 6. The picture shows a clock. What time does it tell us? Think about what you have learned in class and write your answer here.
1:05
